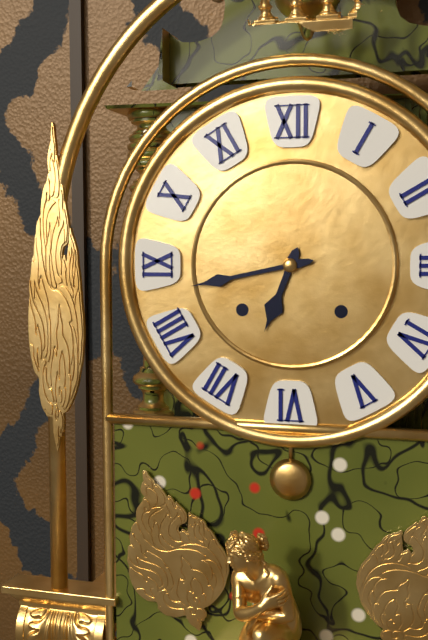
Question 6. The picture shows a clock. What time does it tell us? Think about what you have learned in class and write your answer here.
6:43
